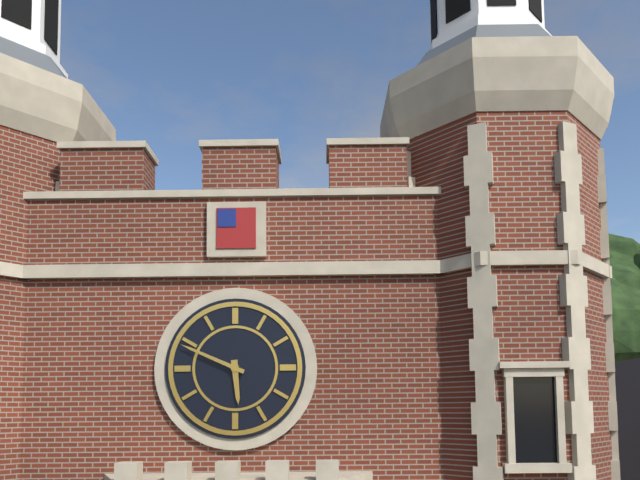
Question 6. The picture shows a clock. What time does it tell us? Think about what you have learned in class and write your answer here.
5:49
